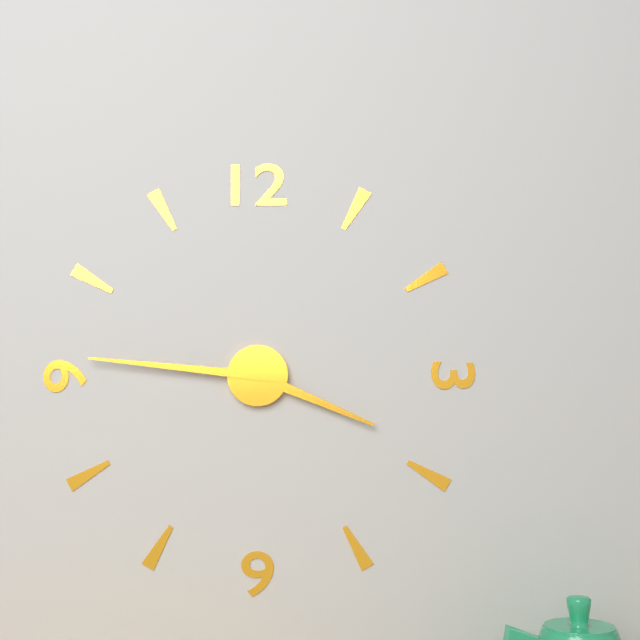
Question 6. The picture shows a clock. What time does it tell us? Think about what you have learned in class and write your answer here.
3:46
